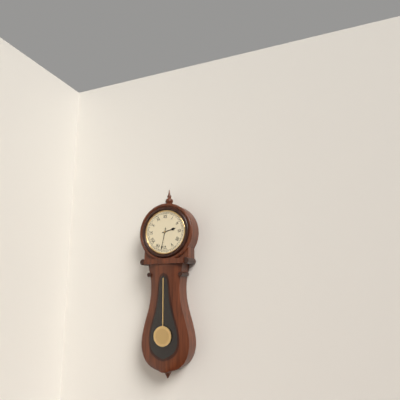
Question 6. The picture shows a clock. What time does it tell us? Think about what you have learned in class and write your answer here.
2:32
